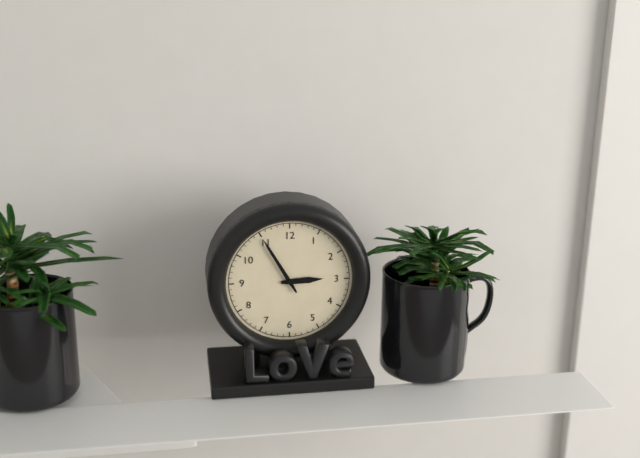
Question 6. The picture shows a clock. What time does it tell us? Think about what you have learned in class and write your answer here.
2:55
